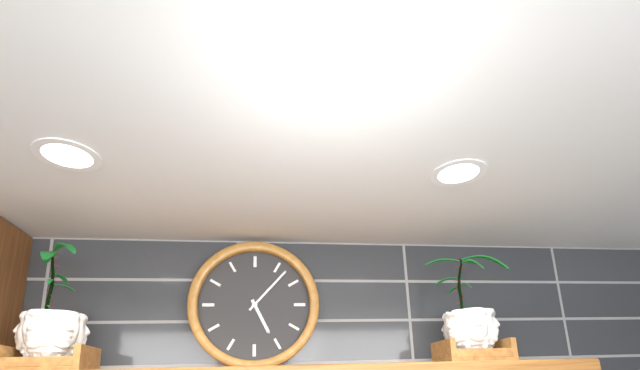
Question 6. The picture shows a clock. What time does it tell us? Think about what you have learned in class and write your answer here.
5:07
